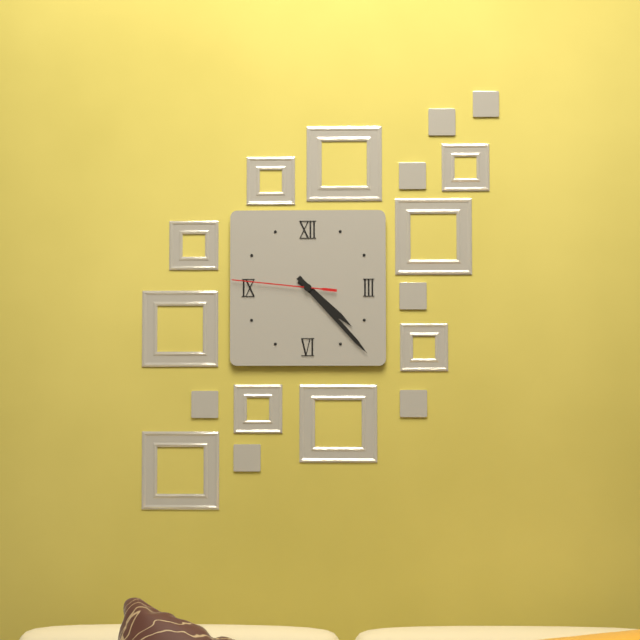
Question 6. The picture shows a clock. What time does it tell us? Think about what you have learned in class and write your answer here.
4:23:46
